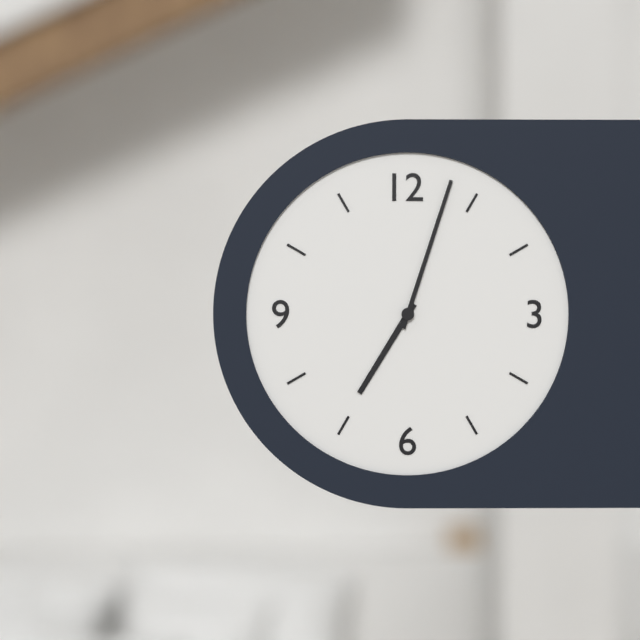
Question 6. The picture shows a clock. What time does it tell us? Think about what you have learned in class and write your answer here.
7:03
